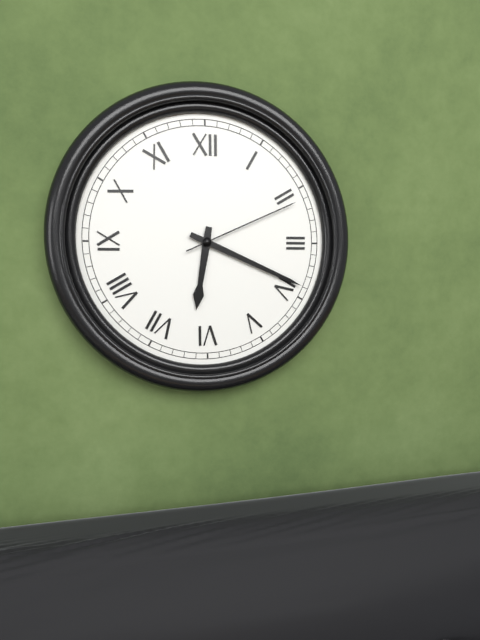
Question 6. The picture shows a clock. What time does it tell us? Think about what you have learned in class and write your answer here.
6:19:11
